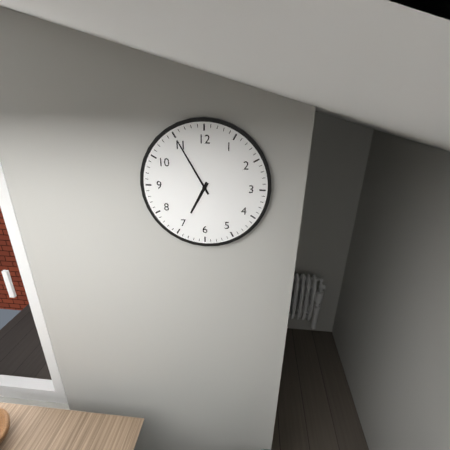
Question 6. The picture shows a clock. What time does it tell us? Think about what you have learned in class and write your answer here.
6:55
